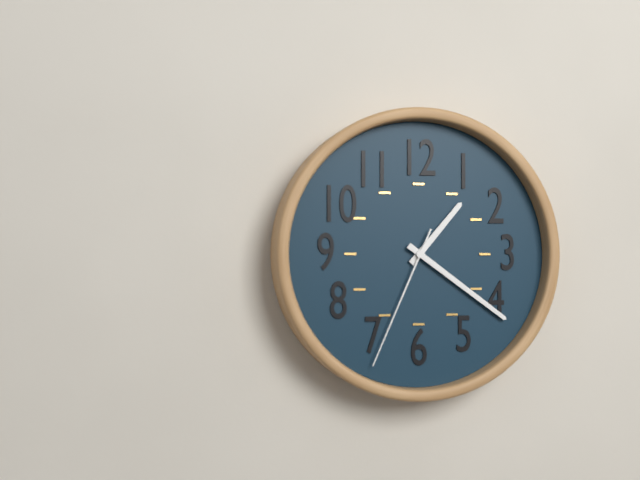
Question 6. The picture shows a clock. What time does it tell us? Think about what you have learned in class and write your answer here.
1:21:34
